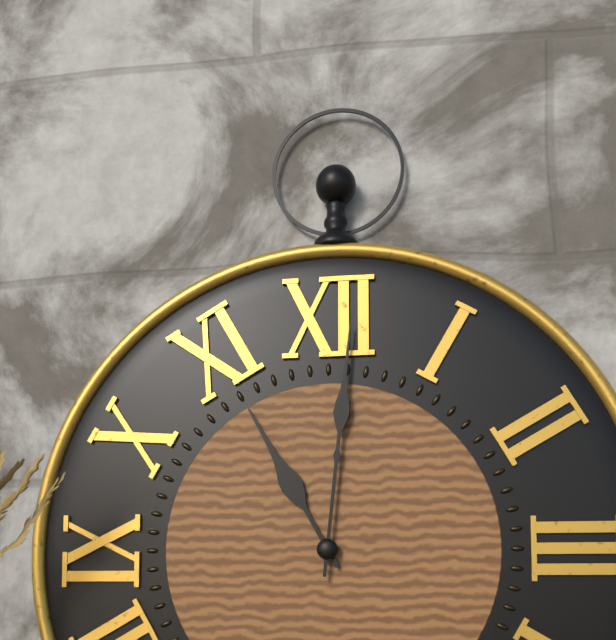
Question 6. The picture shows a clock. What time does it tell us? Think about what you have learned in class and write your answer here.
11:01
